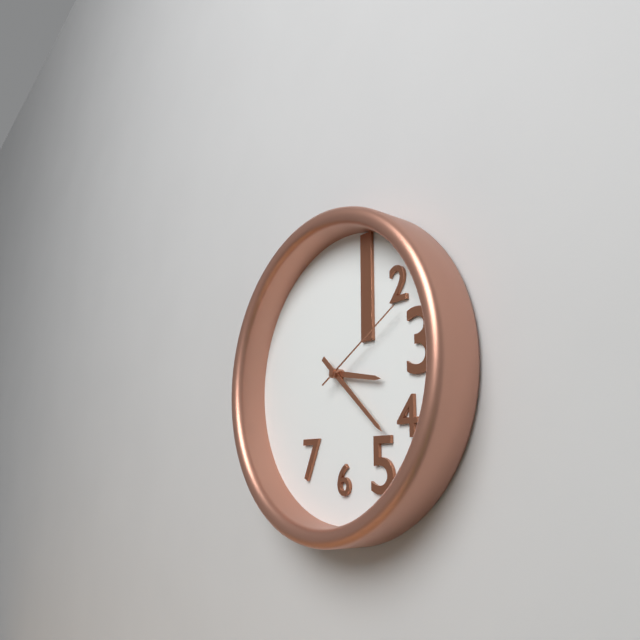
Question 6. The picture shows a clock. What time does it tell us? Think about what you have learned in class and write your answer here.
3:22:10
